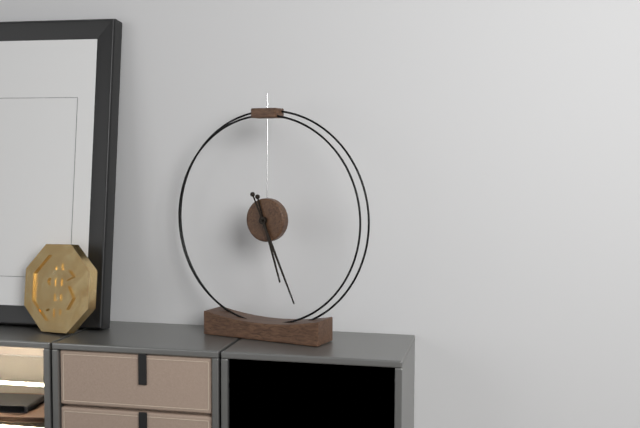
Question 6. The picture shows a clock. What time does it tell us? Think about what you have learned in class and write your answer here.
5:26
